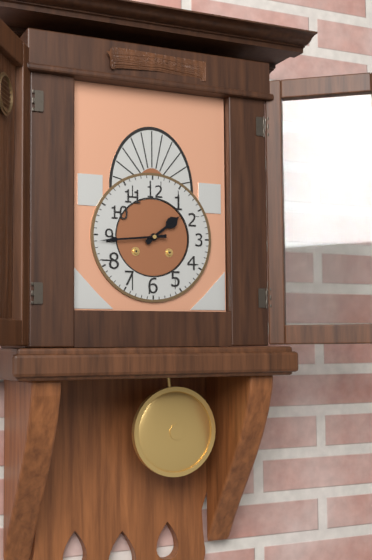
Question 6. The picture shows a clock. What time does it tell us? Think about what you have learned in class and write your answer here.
1:44
